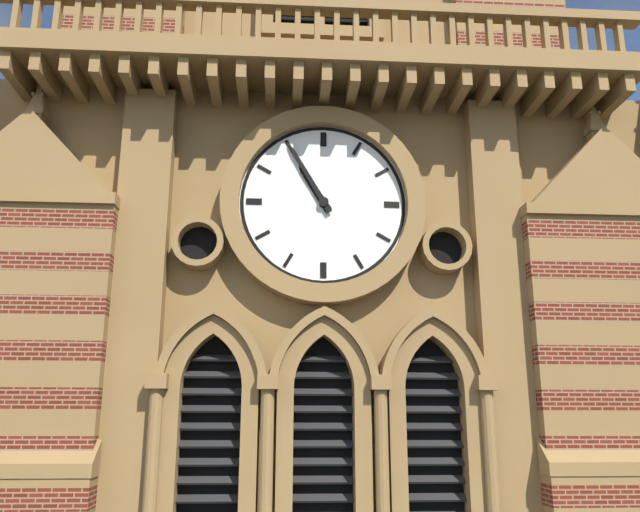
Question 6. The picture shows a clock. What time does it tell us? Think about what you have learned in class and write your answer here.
10:55
